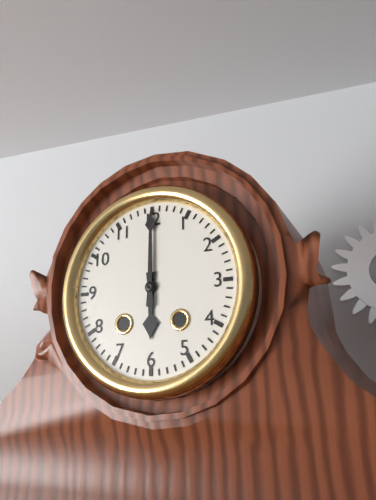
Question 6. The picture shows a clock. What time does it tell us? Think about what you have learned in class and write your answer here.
6:00
